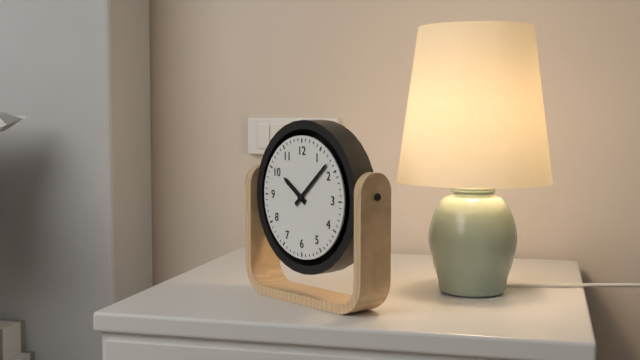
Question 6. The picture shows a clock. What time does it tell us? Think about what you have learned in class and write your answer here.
10:08
